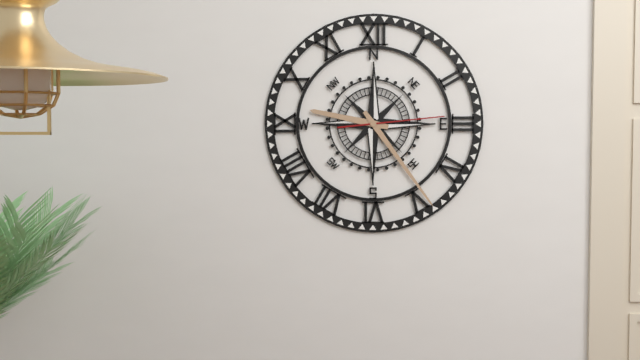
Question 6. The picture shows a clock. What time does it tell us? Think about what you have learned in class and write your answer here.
9:24:14
